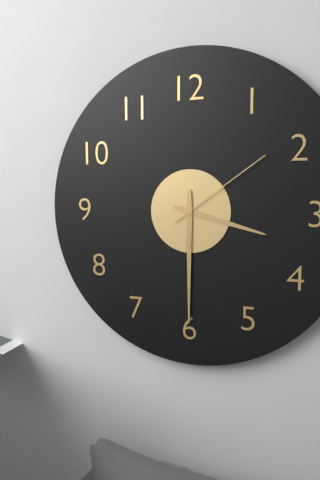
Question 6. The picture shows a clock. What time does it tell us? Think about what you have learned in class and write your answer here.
3:30:09
